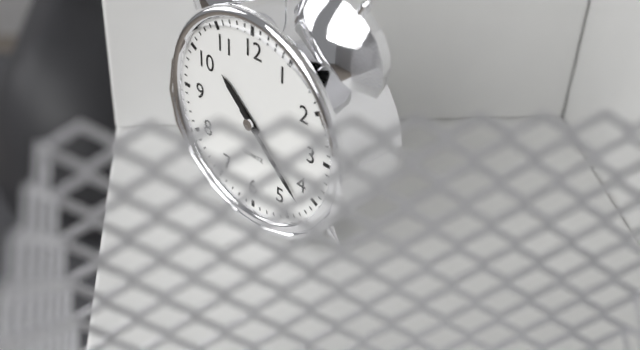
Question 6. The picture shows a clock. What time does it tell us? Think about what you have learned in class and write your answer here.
10:22
